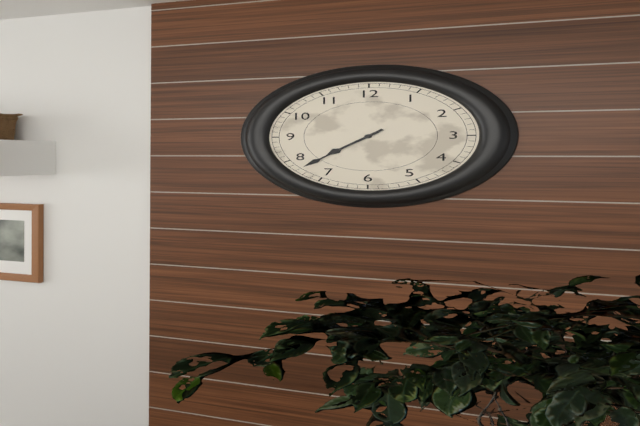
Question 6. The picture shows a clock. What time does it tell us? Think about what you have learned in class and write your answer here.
7:38
